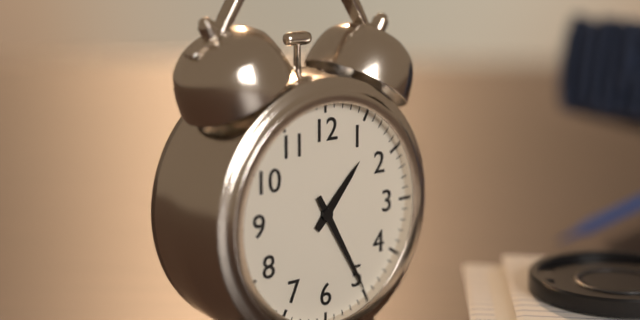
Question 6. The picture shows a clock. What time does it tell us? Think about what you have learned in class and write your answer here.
1:25
